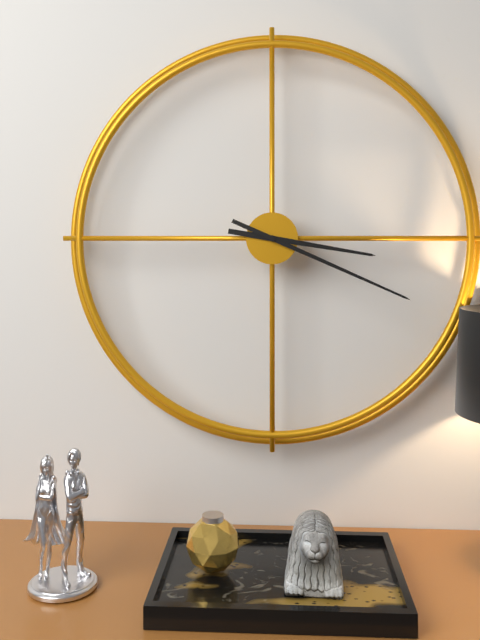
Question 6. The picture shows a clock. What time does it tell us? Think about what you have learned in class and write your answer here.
3:19
